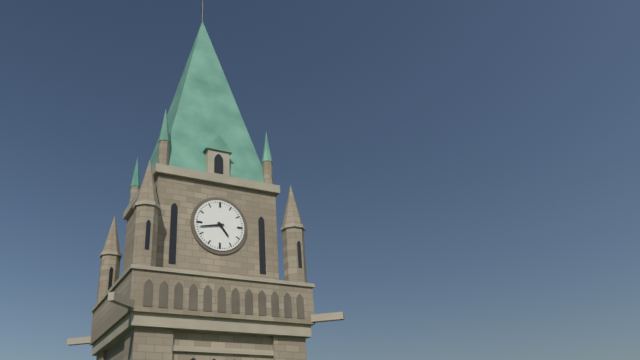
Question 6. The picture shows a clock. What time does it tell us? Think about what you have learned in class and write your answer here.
4:43
